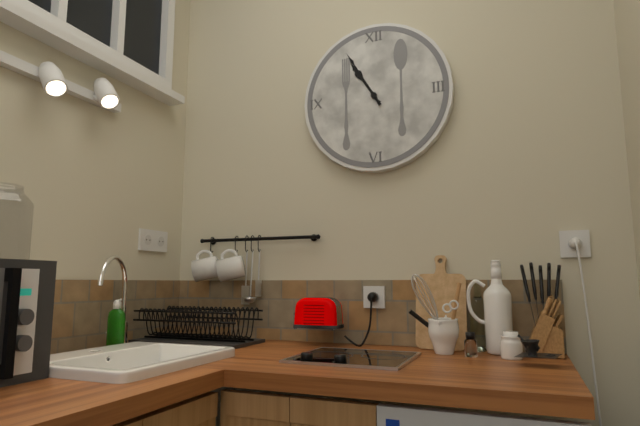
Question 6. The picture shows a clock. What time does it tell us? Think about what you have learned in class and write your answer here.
10:55
